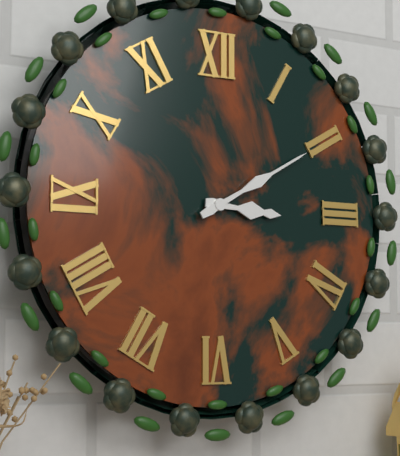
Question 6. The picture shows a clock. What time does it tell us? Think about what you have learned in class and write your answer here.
3:10
